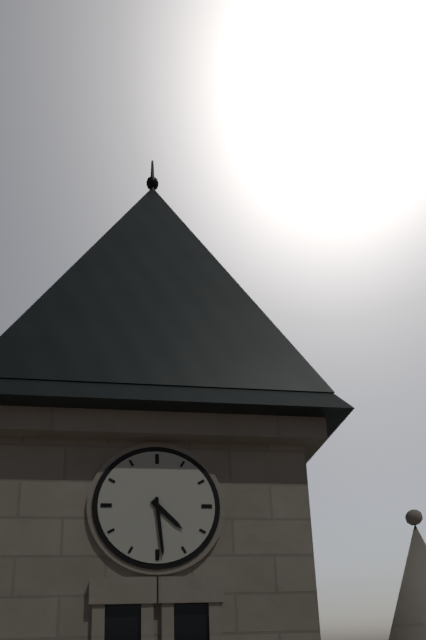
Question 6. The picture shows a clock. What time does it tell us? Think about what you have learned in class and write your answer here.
4:29
